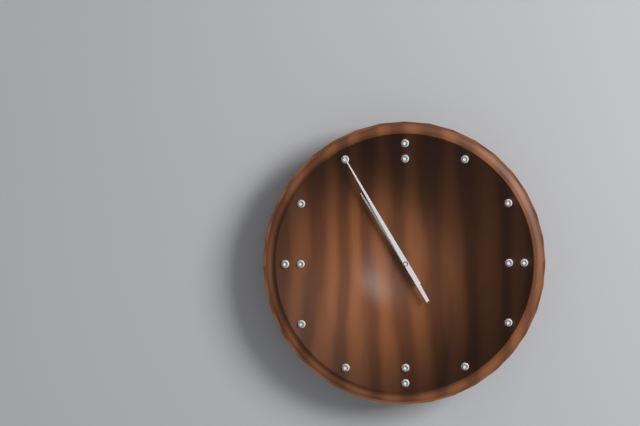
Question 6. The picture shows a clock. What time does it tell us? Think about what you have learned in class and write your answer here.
10:55
